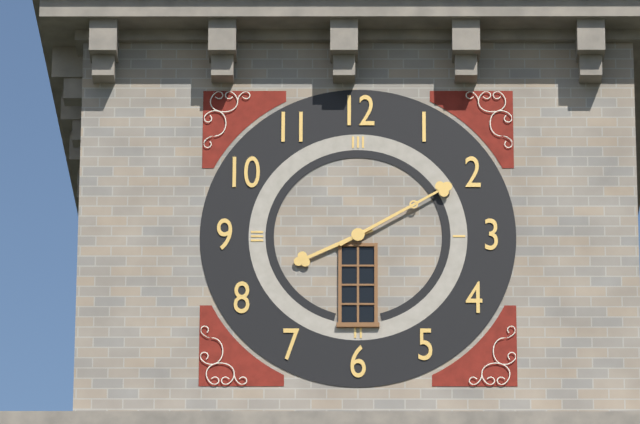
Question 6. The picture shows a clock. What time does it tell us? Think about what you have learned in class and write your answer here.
8:10
